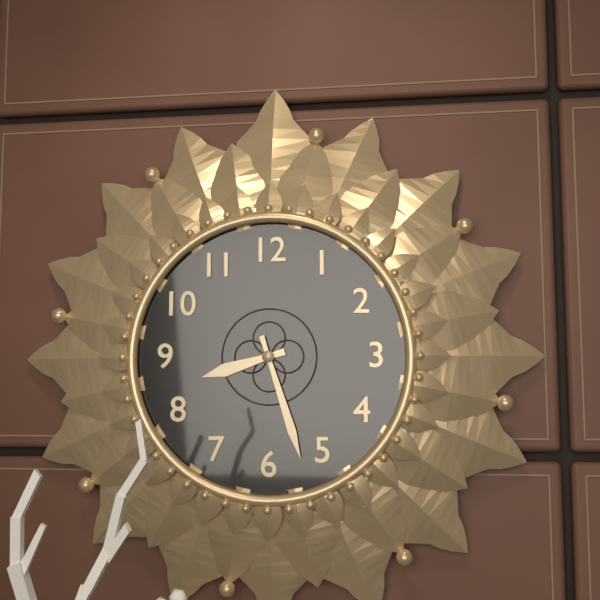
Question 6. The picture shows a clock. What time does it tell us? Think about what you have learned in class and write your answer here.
8:27
